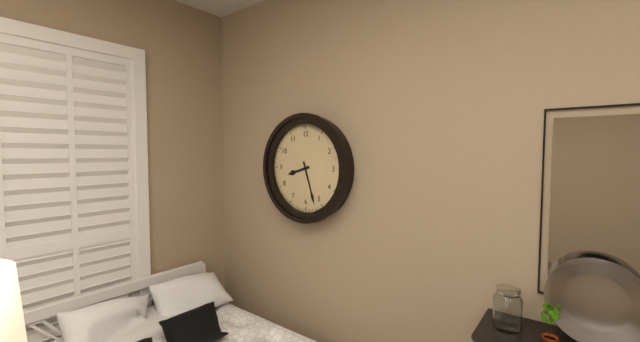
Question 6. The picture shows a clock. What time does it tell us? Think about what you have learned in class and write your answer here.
8:27
